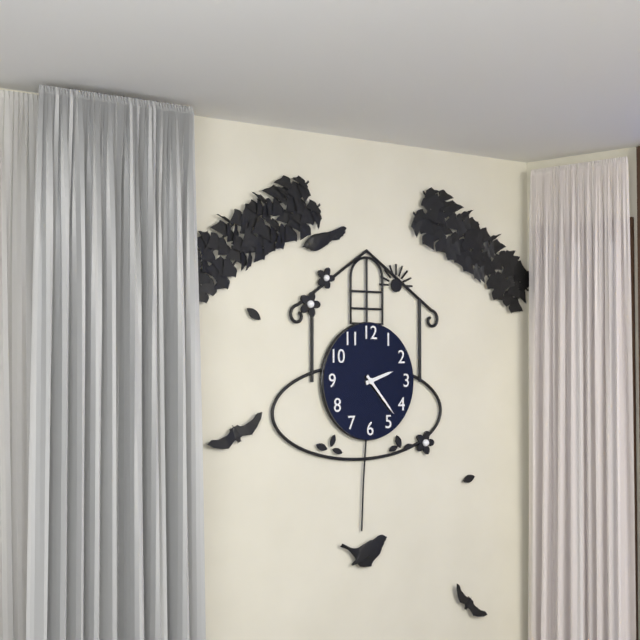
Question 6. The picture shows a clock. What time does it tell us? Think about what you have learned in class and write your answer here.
2:23
